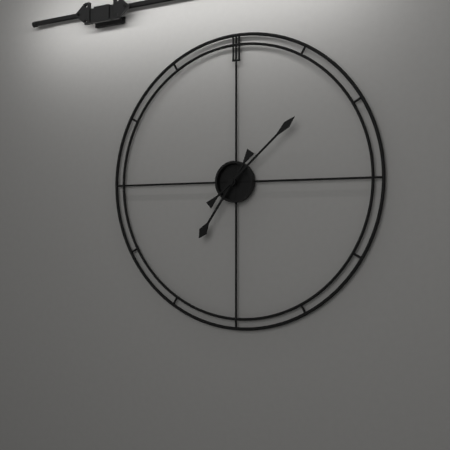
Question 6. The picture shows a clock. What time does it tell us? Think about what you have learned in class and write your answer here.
7:08
